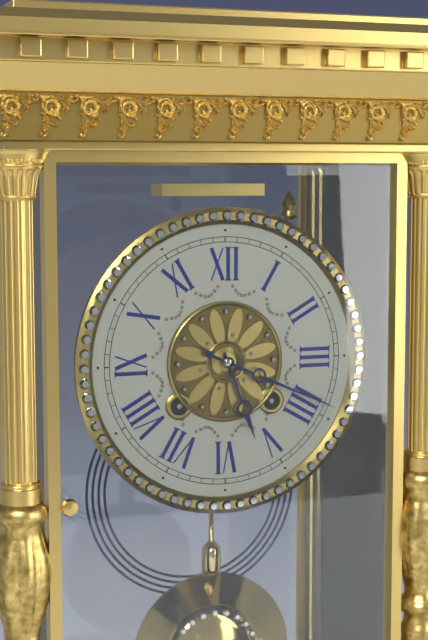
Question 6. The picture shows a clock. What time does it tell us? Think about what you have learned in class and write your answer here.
5:19
